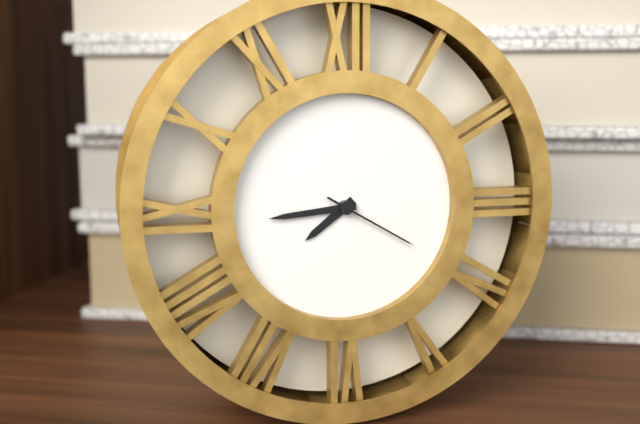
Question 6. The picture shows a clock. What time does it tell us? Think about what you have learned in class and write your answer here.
7:44:20
